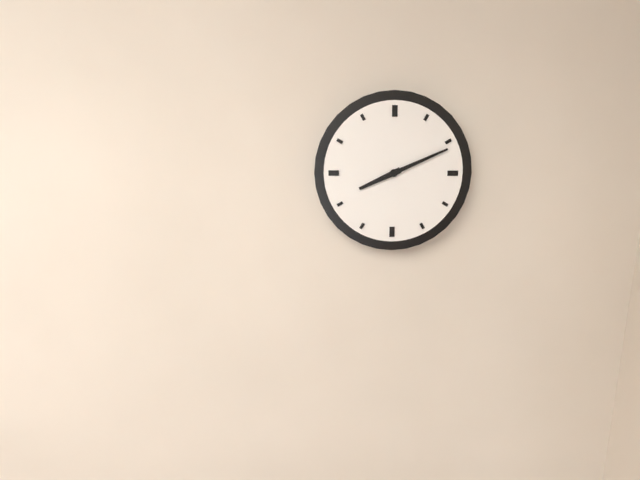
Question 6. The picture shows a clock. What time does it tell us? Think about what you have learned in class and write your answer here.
8:11
